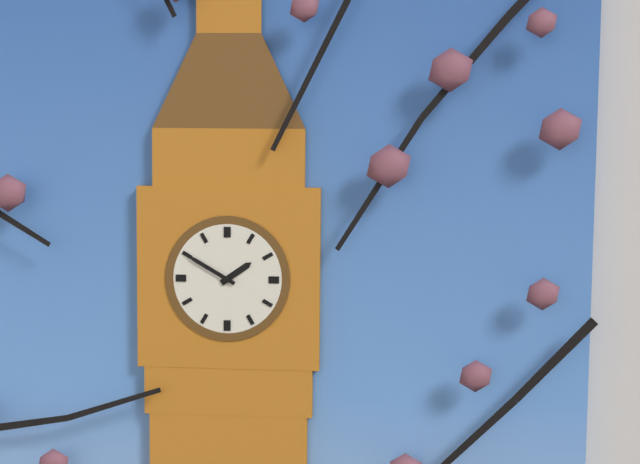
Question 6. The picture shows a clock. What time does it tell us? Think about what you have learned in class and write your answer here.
1:50
